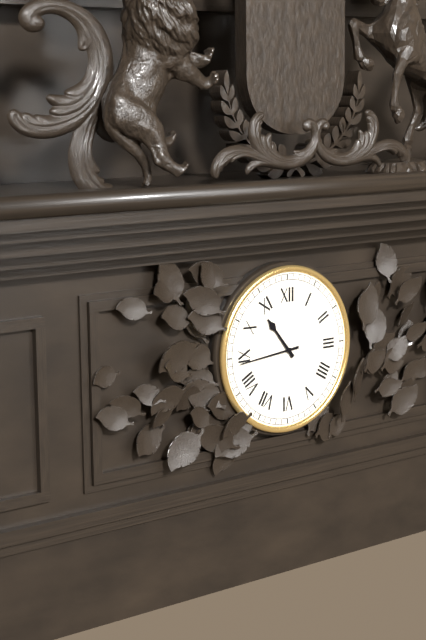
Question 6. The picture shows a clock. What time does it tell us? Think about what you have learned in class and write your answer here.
10:44
